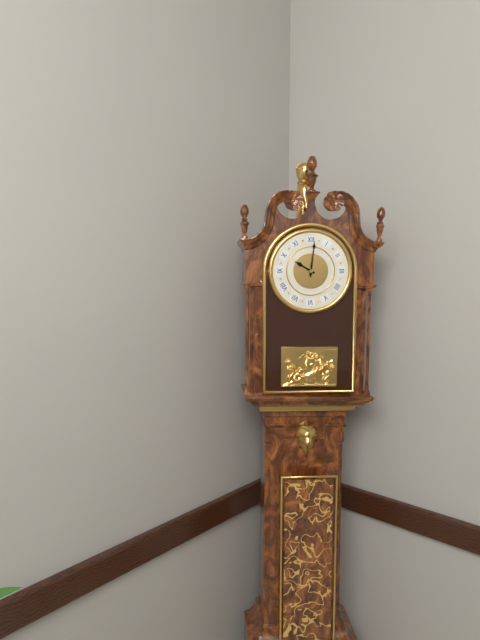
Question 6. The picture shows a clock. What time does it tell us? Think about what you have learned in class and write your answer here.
10:01
